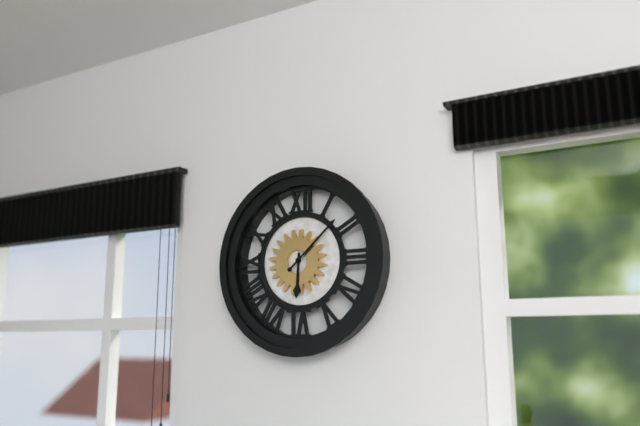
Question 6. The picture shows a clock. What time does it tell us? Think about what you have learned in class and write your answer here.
6:08
